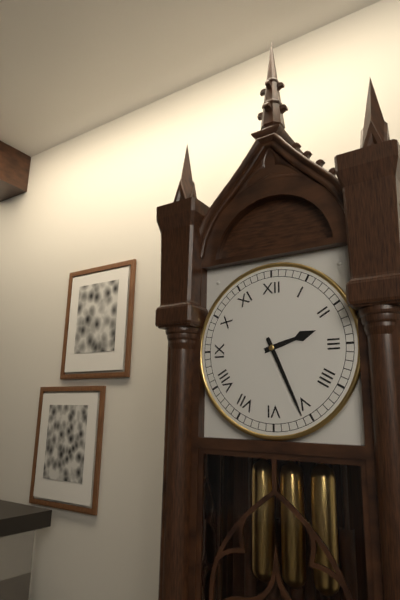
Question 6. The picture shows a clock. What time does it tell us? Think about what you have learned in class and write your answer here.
2:26
